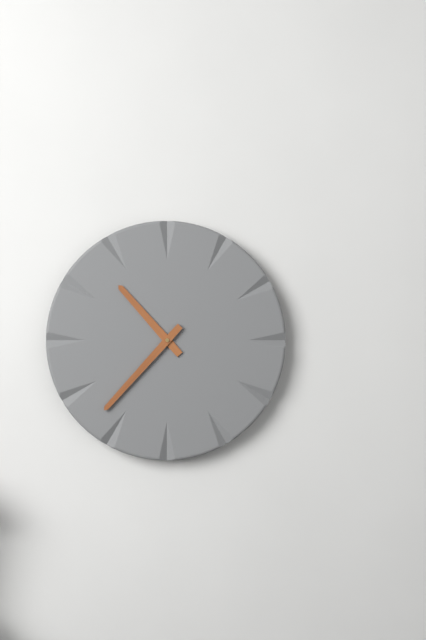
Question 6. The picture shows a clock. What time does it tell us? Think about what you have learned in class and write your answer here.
10:37
